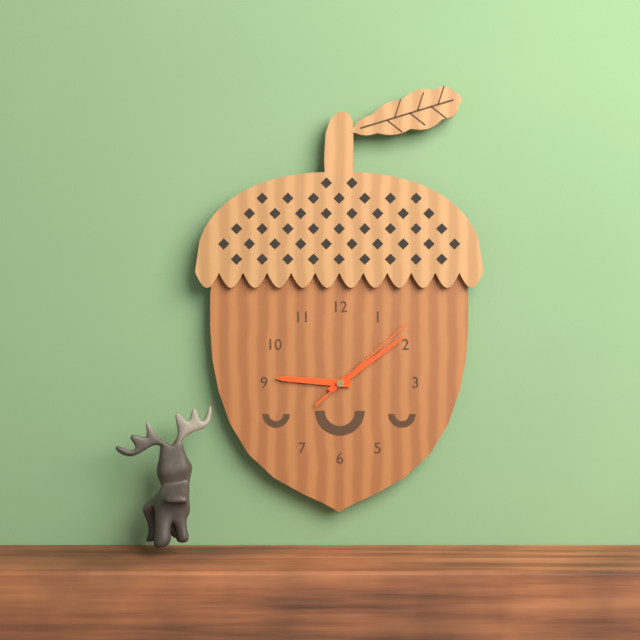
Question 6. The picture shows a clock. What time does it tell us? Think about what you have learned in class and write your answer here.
9:09:08
